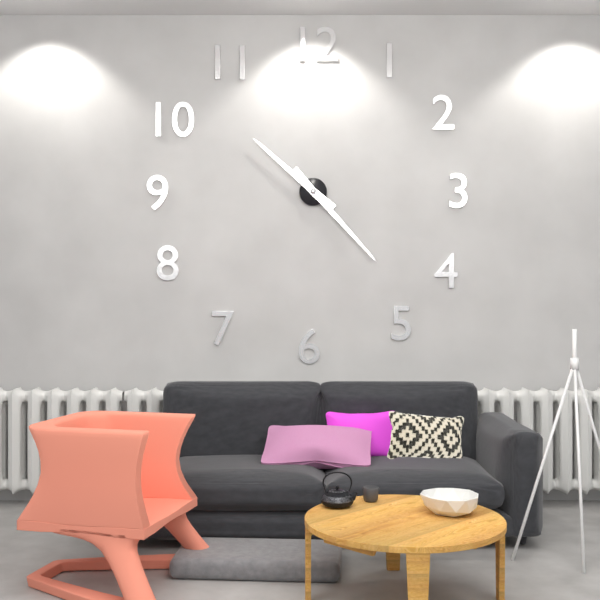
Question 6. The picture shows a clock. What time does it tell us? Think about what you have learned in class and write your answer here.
10:23
